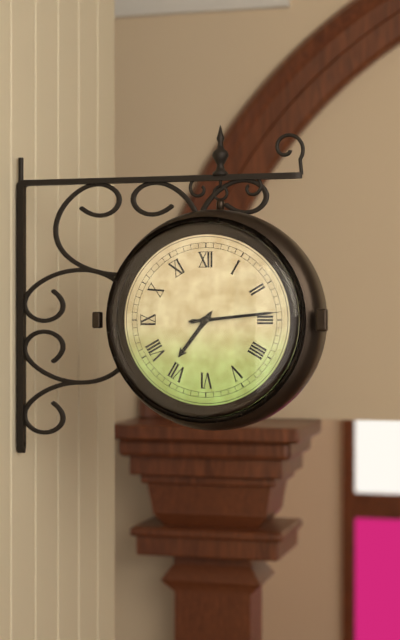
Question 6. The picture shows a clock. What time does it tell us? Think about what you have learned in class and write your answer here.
7:14
